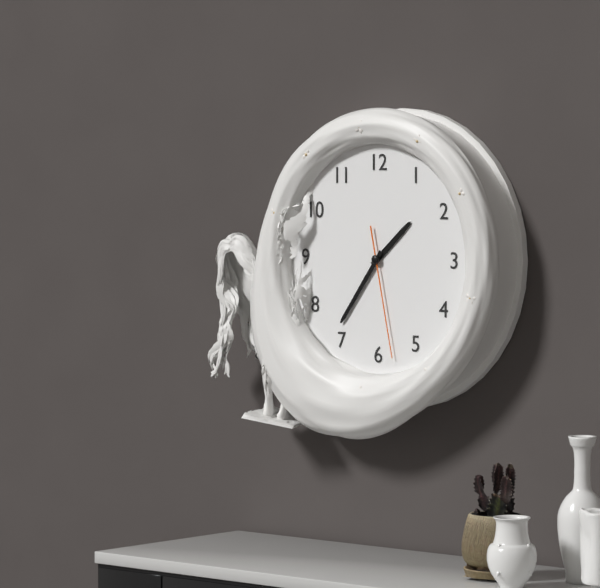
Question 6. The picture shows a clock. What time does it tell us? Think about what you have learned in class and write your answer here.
1:36:28
